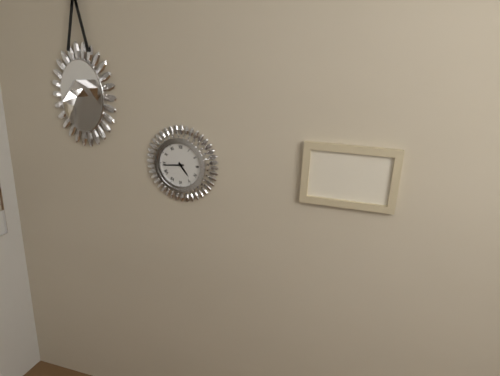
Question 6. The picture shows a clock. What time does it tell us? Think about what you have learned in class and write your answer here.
4:44
